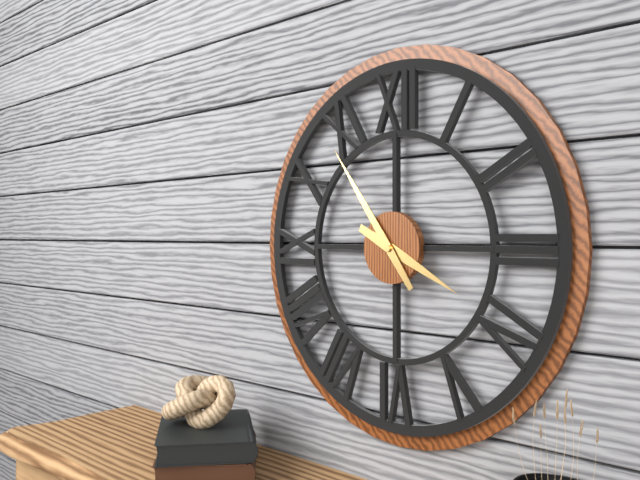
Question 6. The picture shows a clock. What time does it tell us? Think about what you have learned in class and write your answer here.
3:54
